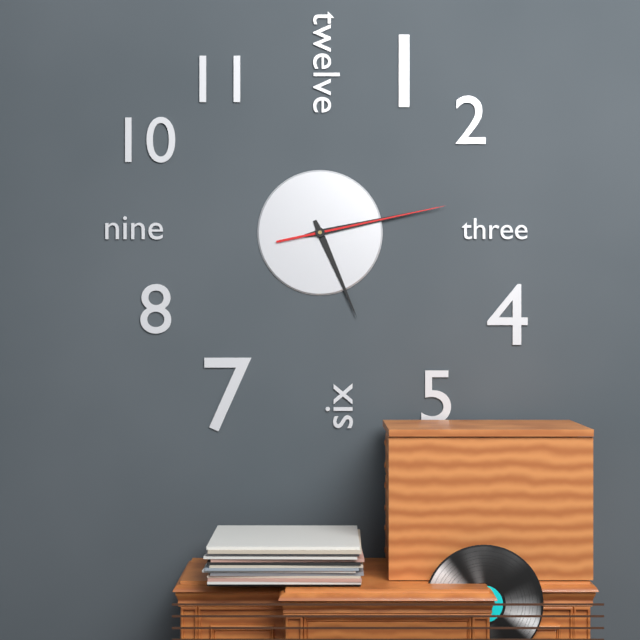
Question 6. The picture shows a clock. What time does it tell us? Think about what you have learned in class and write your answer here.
5:13:13
